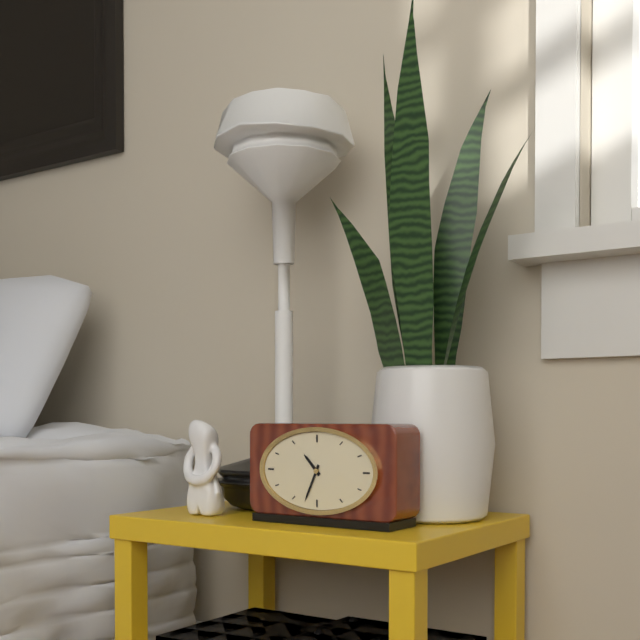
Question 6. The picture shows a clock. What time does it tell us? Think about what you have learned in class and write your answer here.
10:34
